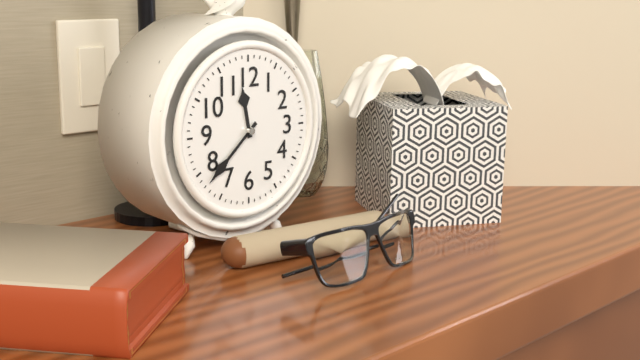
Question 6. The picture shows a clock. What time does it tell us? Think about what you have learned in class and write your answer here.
11:38
